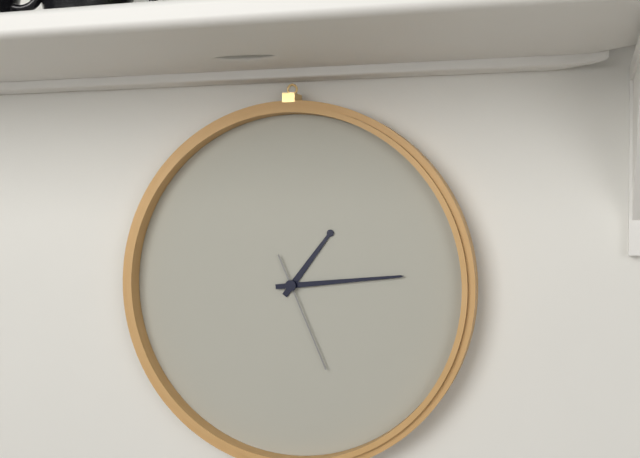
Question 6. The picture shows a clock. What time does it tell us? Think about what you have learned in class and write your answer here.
1:14:26
